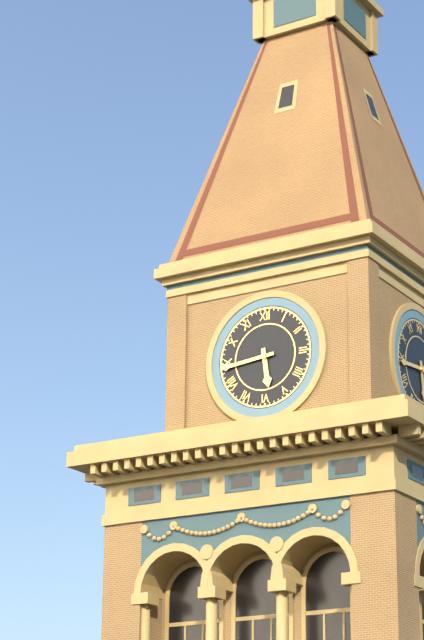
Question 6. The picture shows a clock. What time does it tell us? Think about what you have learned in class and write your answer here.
5:44
